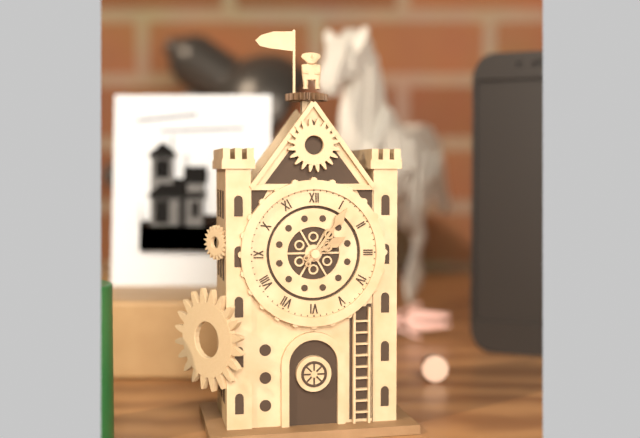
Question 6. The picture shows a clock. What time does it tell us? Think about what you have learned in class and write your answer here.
2:06
